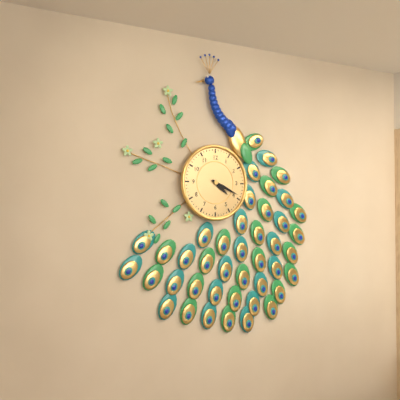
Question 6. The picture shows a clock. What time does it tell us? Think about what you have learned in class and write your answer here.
4:19
